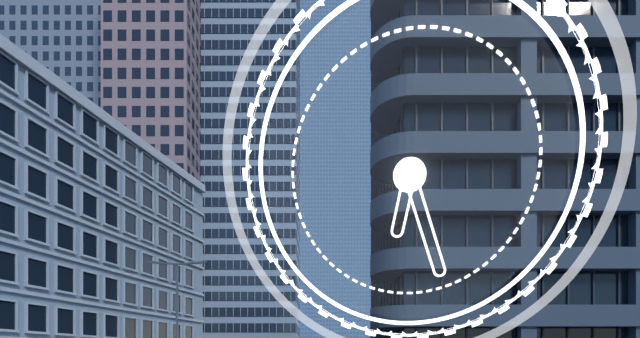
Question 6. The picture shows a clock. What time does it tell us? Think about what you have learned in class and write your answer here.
6:27
